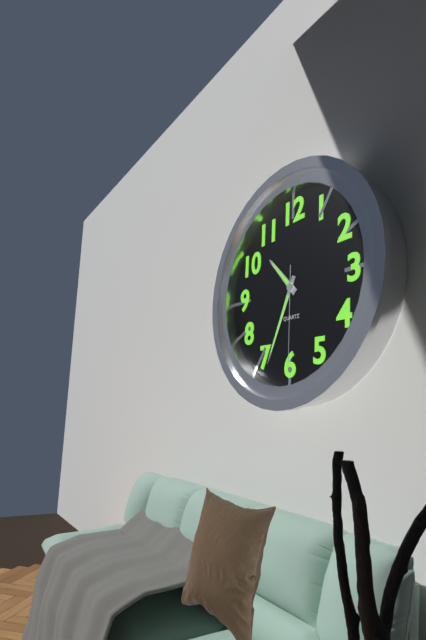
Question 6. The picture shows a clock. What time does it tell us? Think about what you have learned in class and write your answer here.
10:34:30
